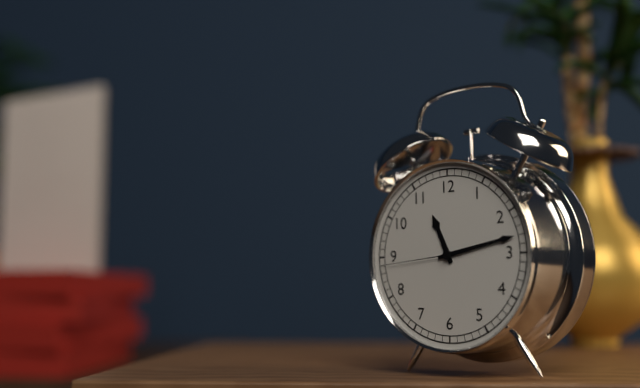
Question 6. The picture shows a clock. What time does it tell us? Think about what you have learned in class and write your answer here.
11:13:44
